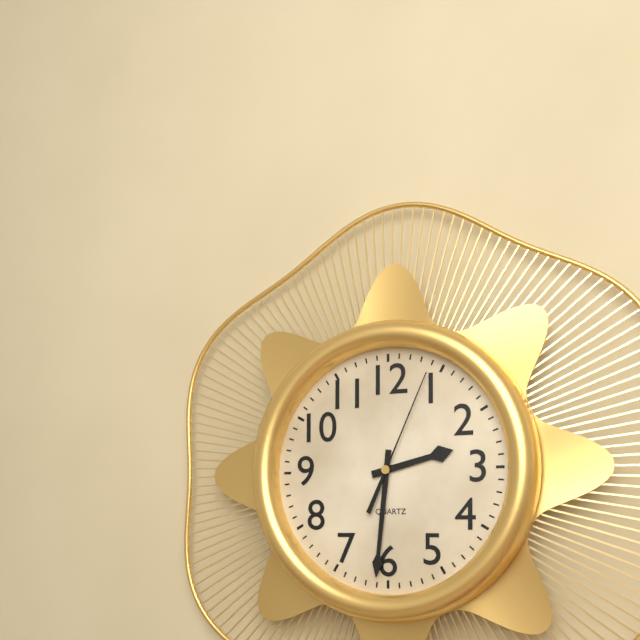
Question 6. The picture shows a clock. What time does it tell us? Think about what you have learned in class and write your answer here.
2:31:04
